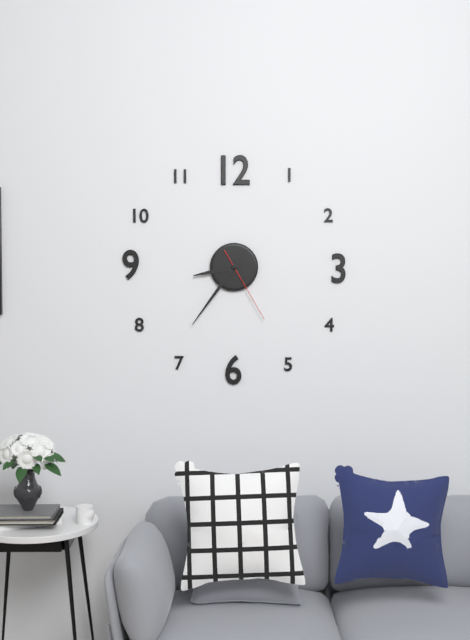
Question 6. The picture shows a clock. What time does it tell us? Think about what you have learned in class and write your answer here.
8:36:25
